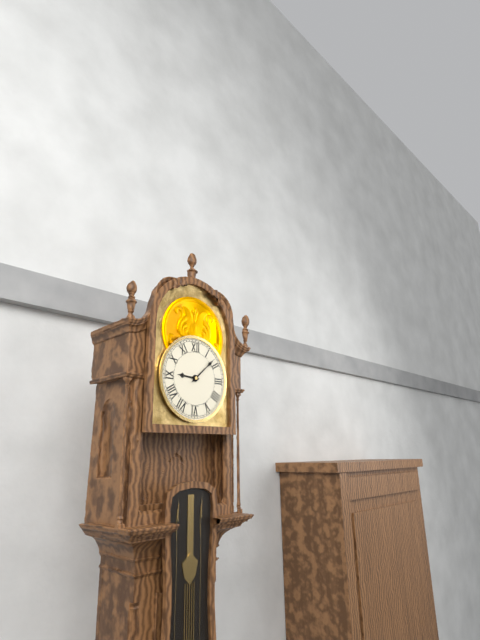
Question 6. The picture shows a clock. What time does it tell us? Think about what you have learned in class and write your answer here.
9:08
